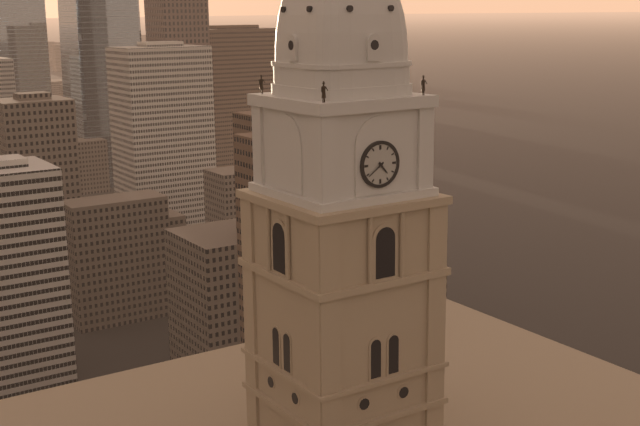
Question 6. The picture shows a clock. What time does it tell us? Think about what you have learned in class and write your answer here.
4:39
